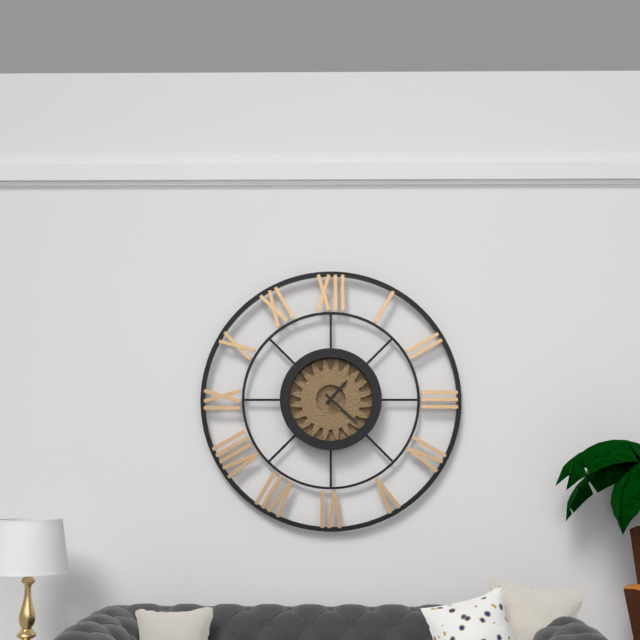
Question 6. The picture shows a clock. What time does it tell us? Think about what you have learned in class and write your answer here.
1:22
